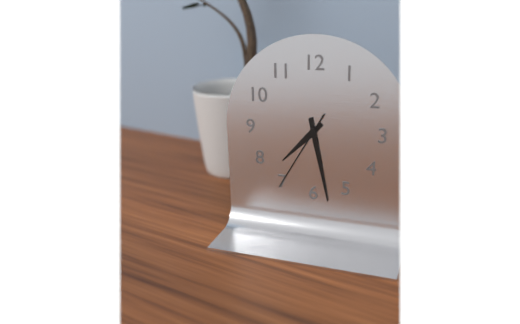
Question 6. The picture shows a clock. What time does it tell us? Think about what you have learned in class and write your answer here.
7:28:35
